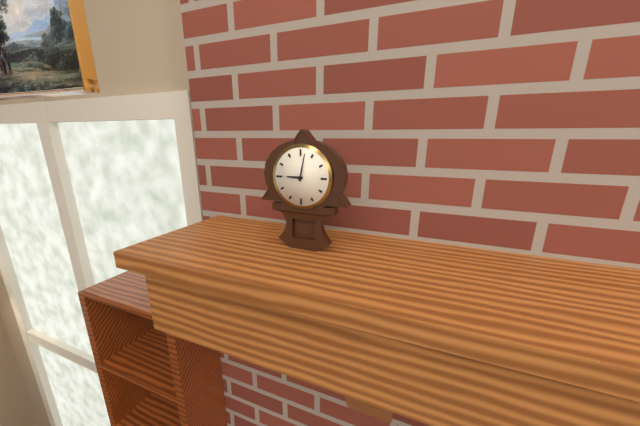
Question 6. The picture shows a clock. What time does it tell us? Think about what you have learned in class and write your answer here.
9:02
